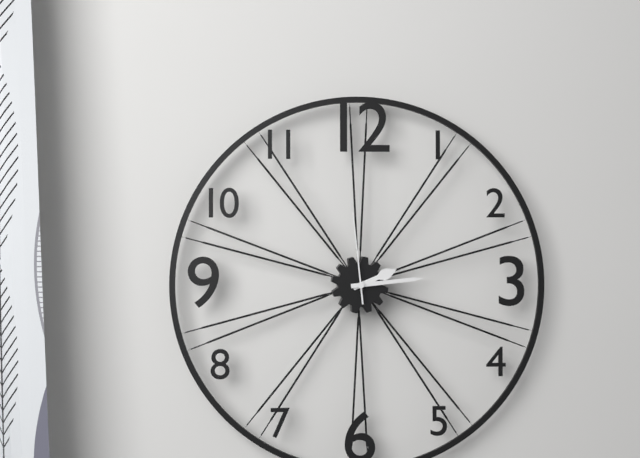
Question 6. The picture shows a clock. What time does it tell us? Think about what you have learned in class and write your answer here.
2:14:59
